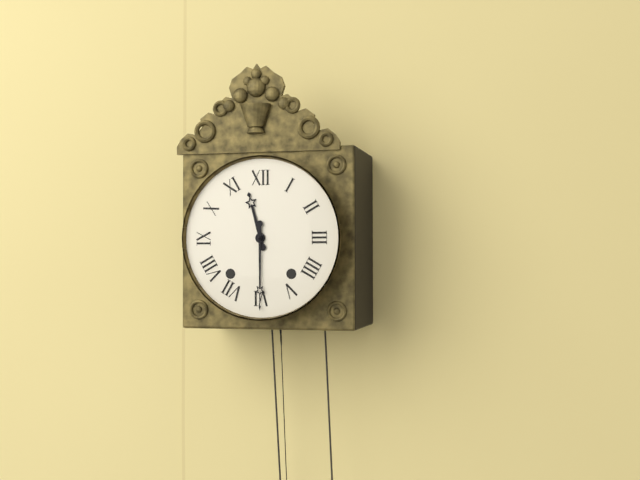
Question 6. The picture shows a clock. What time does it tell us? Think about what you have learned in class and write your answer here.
11:30
